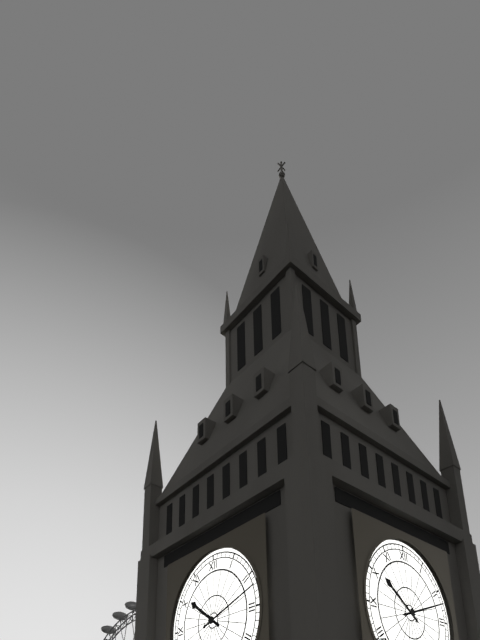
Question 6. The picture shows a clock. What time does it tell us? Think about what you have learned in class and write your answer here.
10:12
